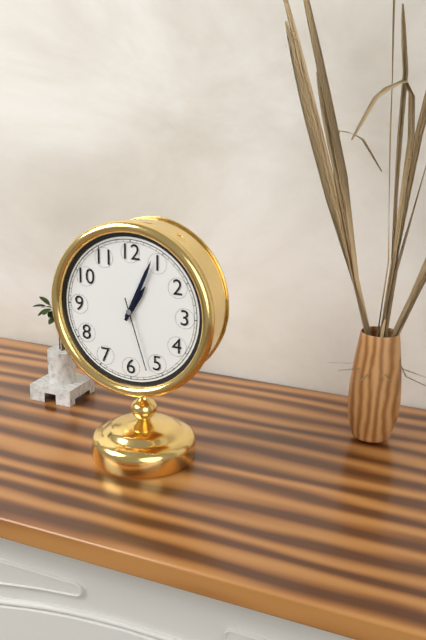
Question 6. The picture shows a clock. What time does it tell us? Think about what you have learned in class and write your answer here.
1:04:27
